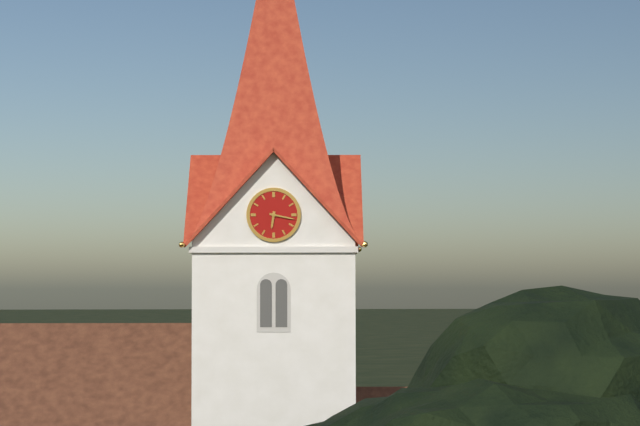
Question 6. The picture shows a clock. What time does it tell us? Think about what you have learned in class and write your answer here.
6:17
